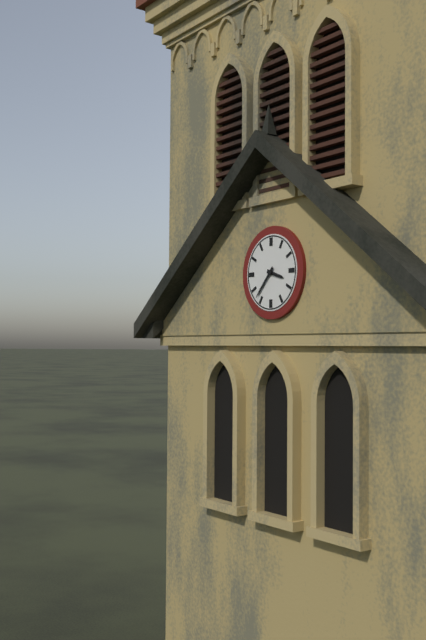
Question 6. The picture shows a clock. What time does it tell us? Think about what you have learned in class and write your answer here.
3:37
